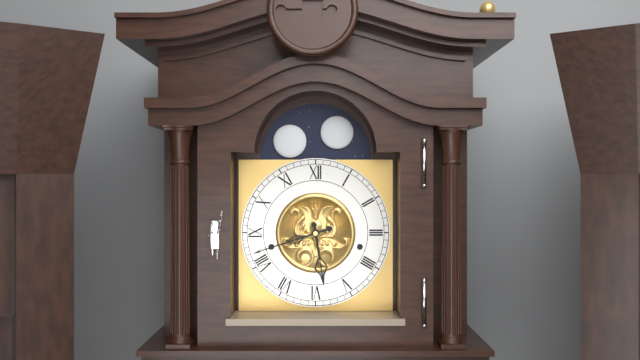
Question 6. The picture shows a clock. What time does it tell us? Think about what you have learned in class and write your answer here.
5:42
